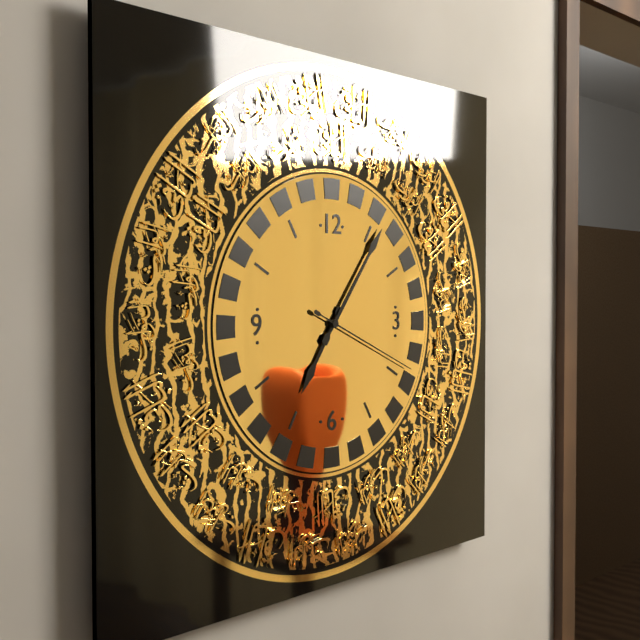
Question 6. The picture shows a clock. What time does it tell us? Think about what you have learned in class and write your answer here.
7:06:19
